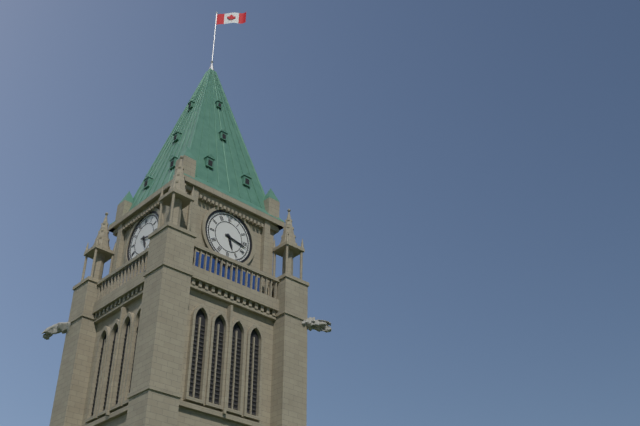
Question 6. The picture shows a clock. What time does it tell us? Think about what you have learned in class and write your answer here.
5:17
